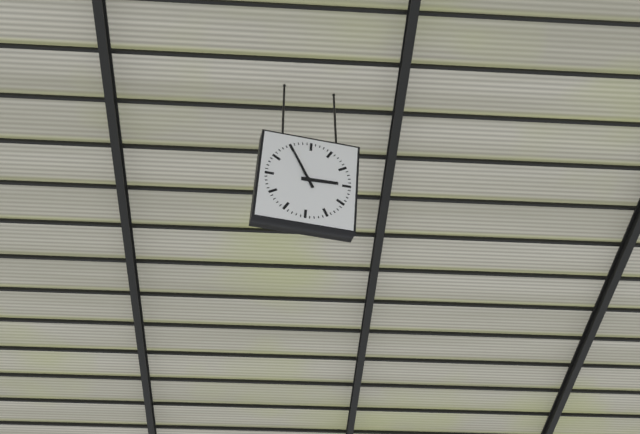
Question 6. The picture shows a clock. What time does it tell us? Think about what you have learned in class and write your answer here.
2:55
